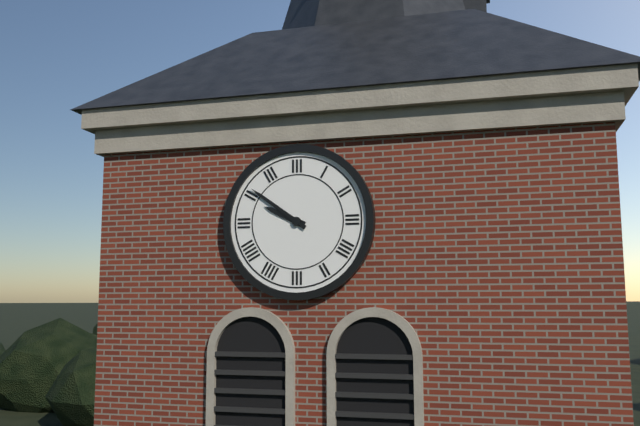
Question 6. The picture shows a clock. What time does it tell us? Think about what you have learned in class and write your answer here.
9:51
